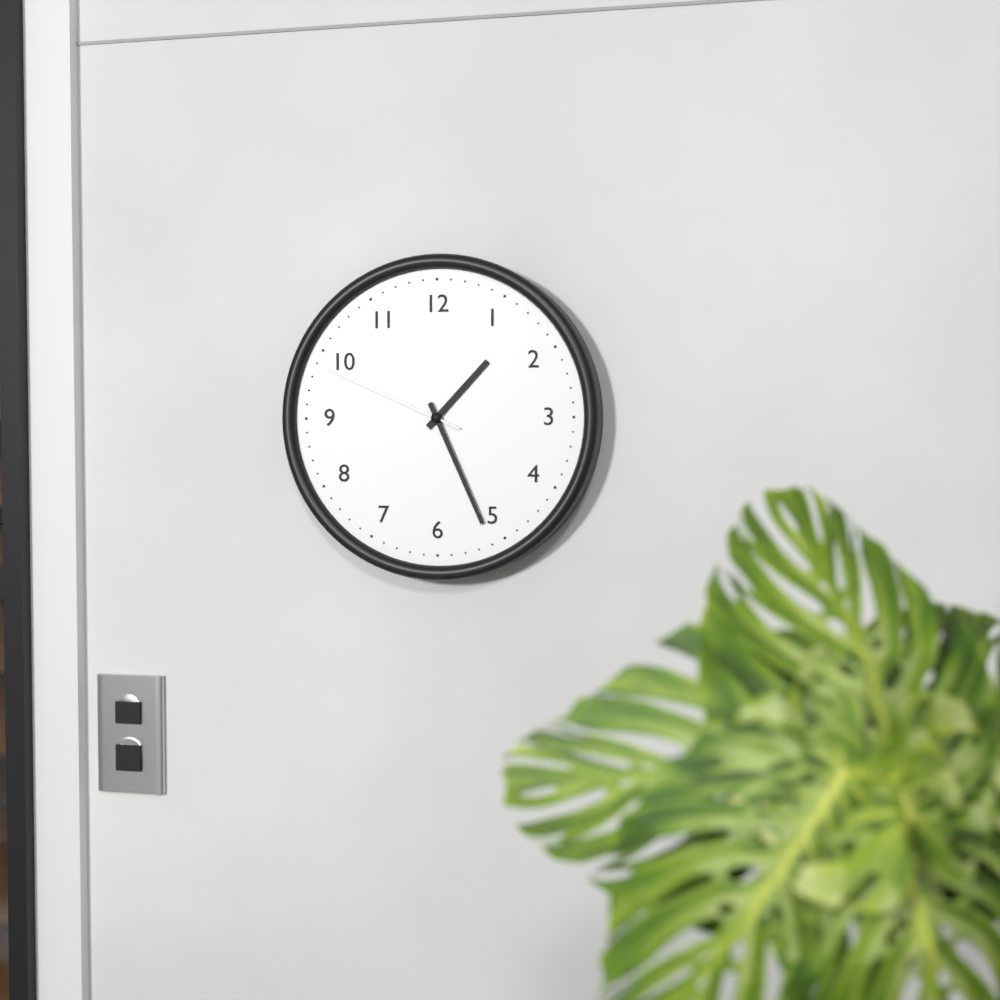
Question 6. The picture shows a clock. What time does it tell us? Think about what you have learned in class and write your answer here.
1:26:49
